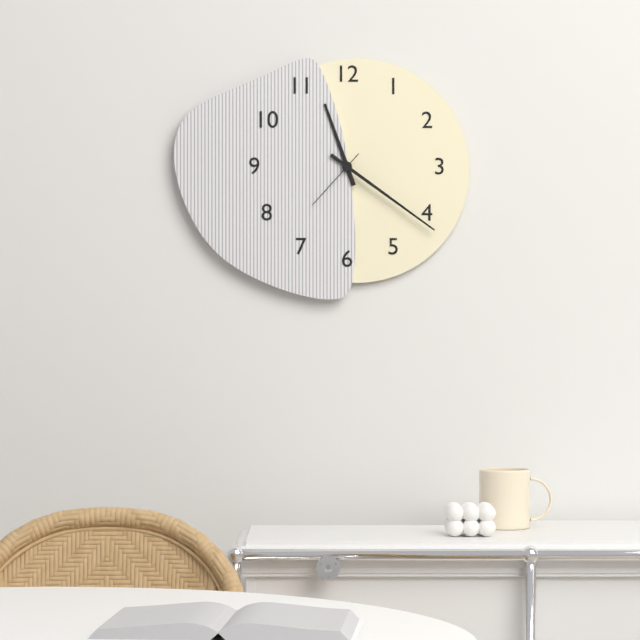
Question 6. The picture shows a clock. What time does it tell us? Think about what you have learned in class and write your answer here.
11:21:37
